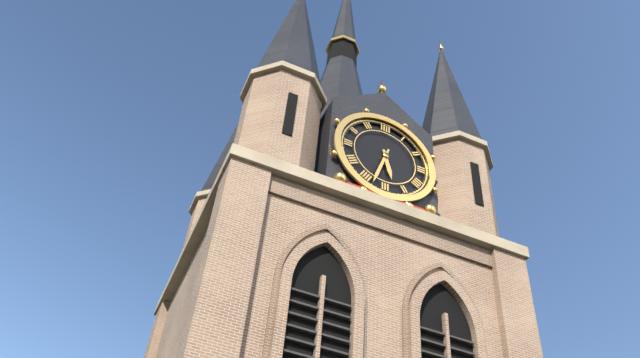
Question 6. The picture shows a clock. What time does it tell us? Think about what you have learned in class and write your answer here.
5:33
